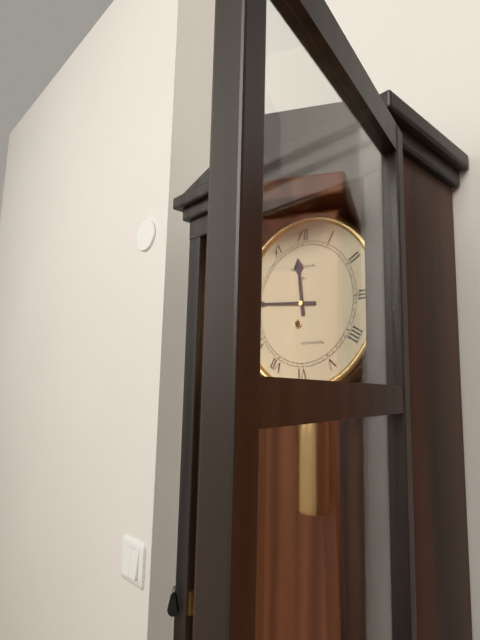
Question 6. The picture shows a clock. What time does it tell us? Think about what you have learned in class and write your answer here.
11:46
